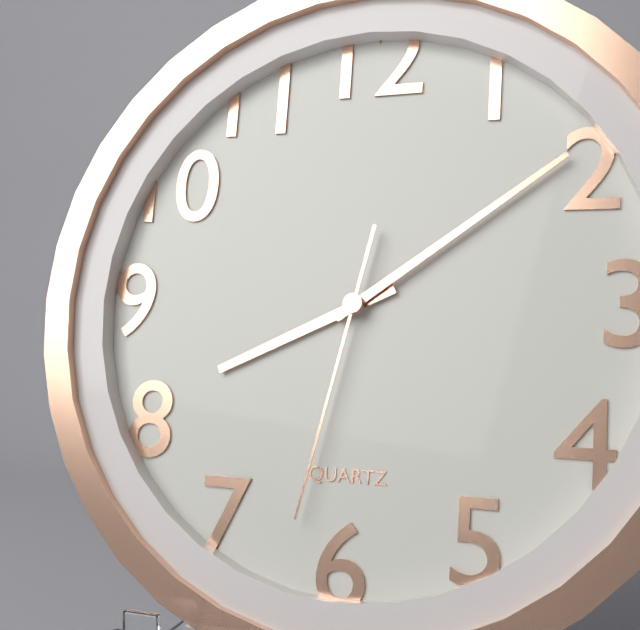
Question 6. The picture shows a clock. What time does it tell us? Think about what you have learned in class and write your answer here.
8:09:32
